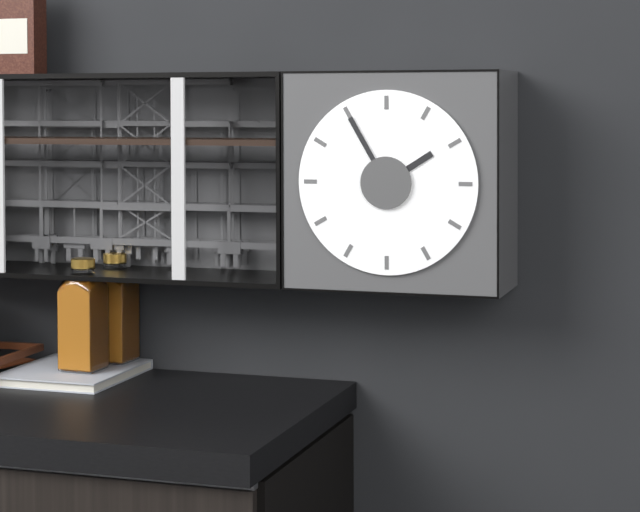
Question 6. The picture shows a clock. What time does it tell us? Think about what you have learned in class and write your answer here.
1:55
